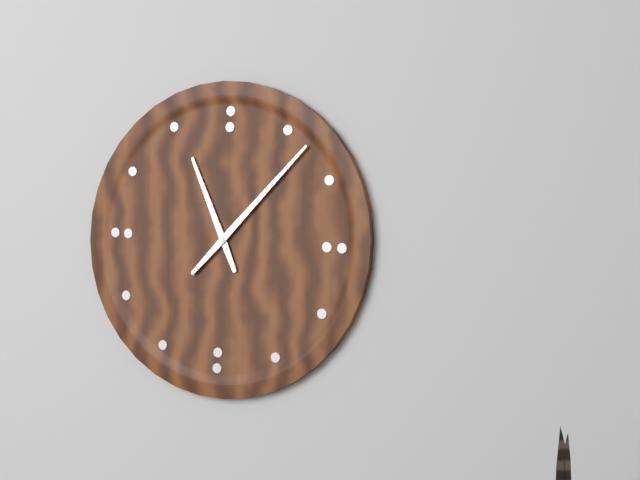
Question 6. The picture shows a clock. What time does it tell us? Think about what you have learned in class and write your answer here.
11:07
